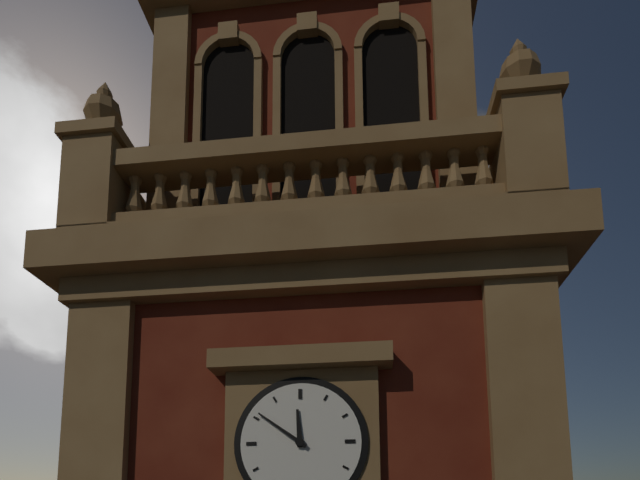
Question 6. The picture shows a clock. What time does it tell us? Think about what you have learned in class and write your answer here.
11:51
